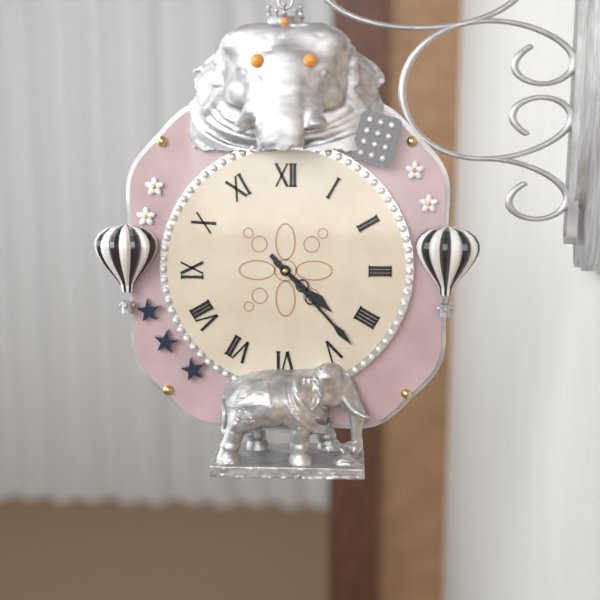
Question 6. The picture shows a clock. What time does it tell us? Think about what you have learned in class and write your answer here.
4:23
